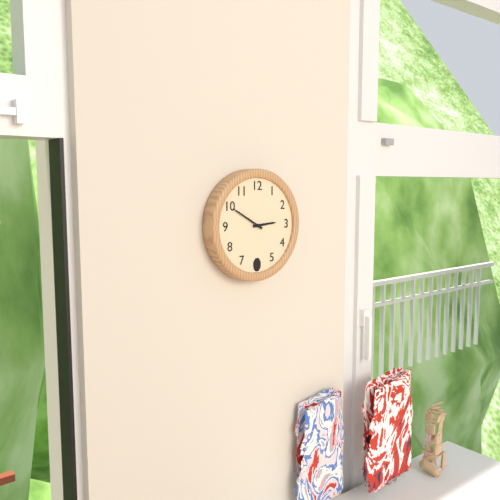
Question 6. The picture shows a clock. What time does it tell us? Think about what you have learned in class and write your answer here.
2:50
